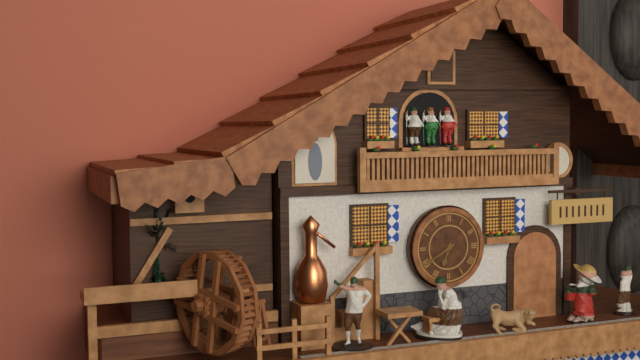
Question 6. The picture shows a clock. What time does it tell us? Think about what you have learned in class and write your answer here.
6:40
